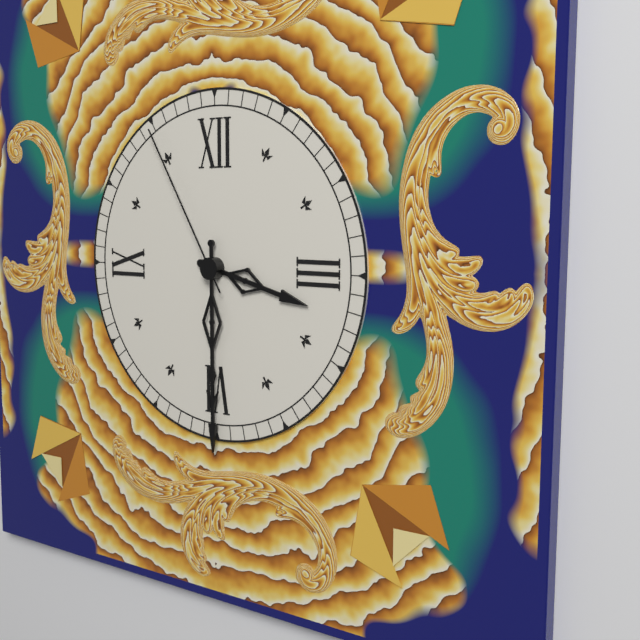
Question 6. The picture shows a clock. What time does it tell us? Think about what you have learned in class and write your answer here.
3:30:55
